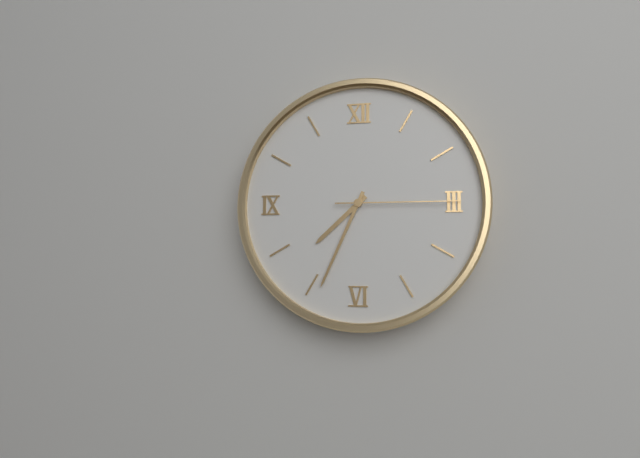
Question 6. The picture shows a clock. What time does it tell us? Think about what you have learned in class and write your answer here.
7:34:15
